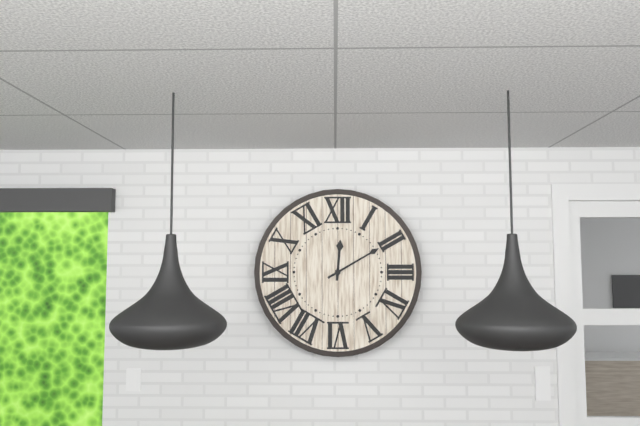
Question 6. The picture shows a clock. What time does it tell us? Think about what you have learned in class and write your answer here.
12:10
